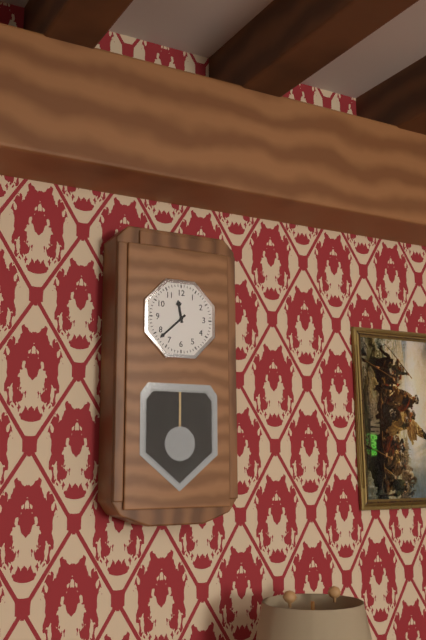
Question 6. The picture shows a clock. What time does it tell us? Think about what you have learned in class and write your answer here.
11:38
